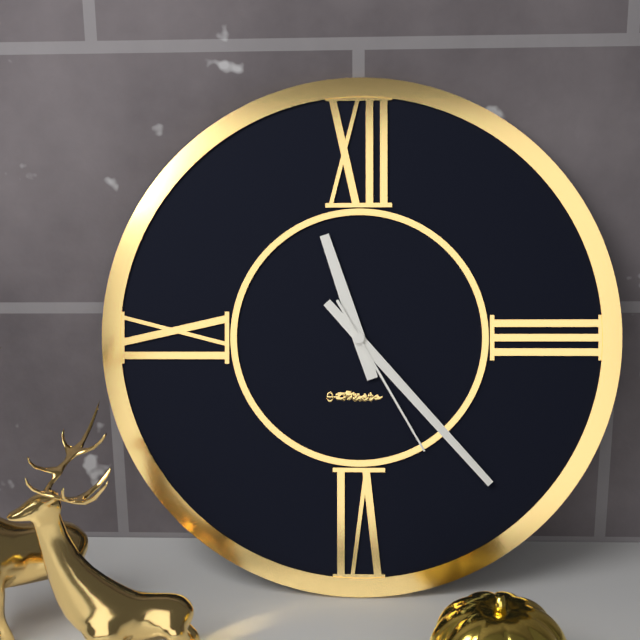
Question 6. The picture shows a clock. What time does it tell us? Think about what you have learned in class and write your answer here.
11:23:25
